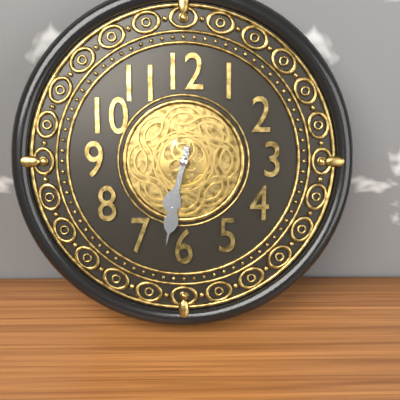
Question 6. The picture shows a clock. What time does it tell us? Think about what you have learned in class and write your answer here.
6:32
